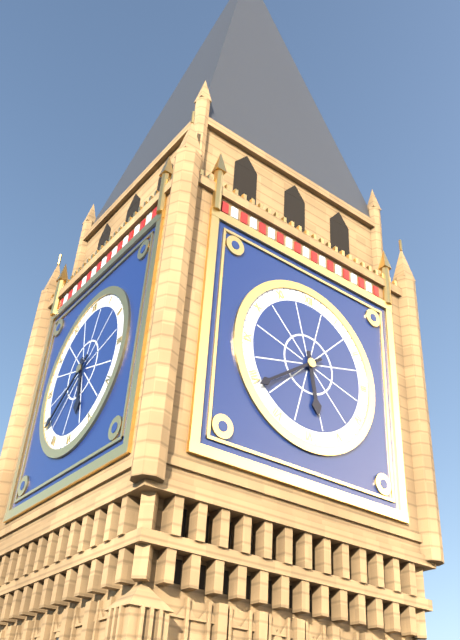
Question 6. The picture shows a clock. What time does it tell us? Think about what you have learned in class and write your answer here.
5:39
